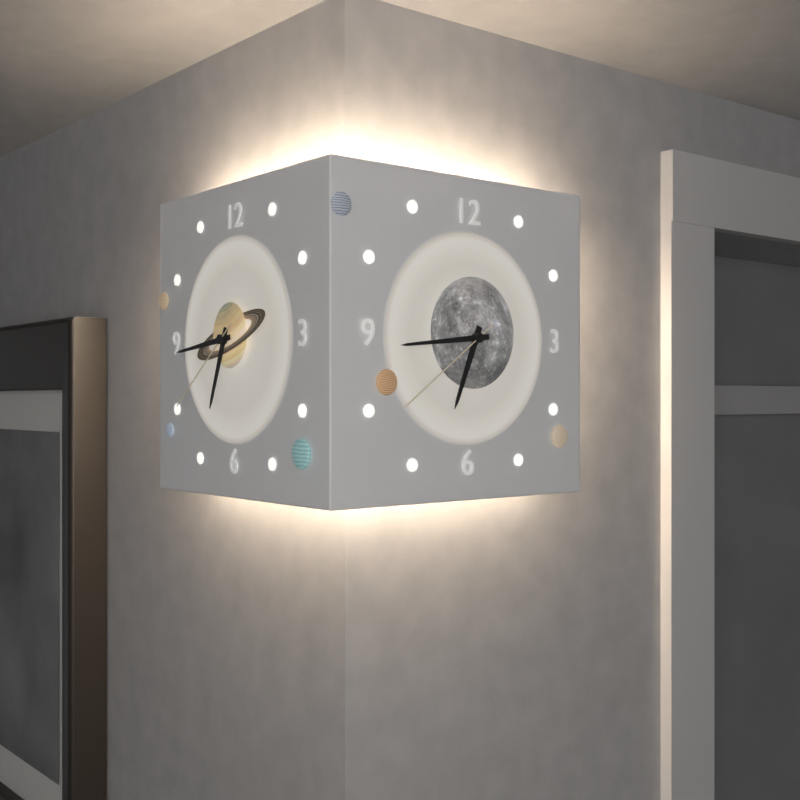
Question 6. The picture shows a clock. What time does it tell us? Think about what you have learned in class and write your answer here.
6:44:39
